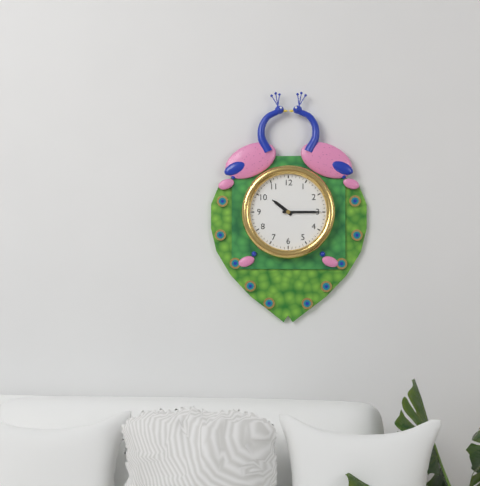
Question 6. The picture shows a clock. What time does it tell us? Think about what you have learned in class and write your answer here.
10:15
